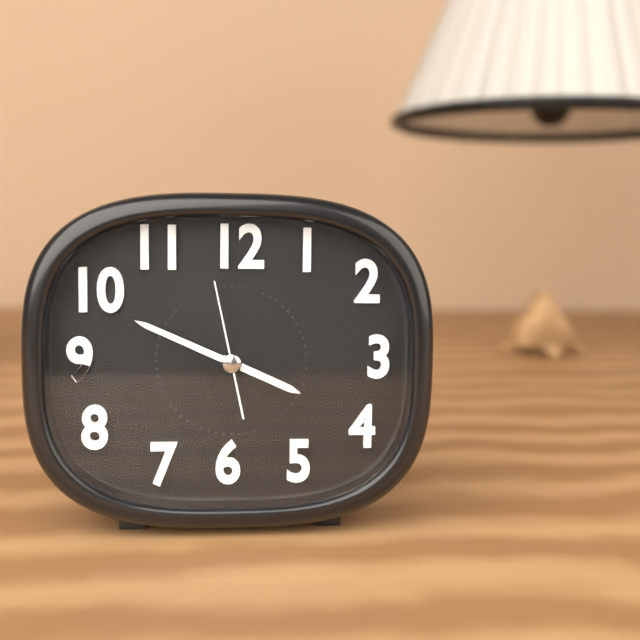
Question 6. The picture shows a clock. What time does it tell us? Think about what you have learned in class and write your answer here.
3:49:58
